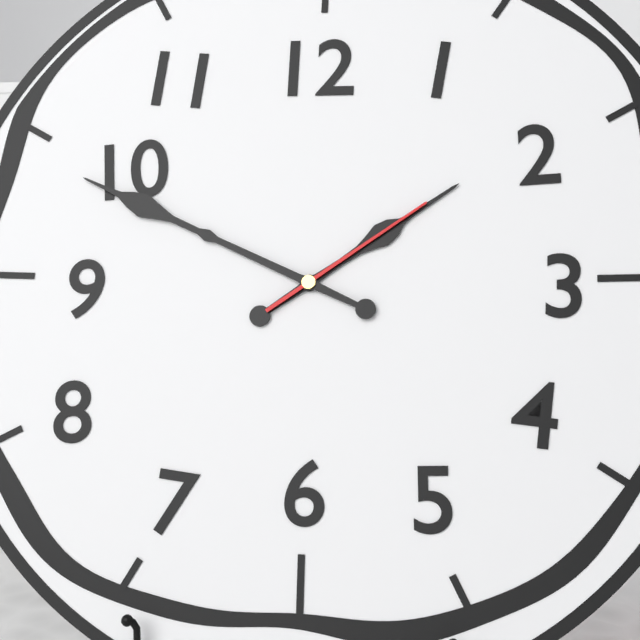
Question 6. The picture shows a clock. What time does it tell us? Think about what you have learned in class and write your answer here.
1:49:09
